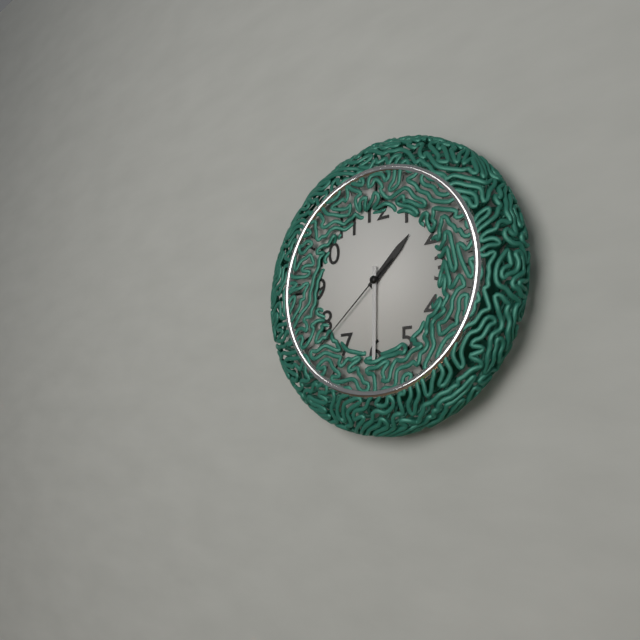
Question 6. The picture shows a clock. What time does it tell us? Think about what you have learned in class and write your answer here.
1:30:38
